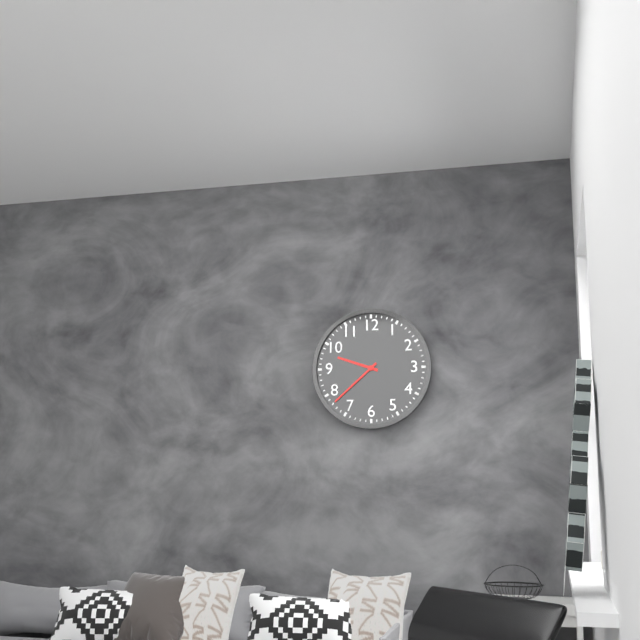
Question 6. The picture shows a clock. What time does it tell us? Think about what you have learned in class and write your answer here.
9:38
